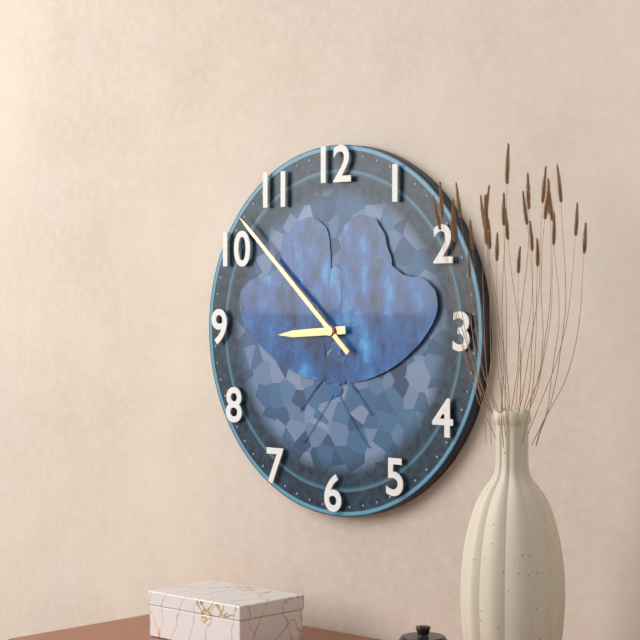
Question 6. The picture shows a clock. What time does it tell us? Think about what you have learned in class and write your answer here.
8:52
